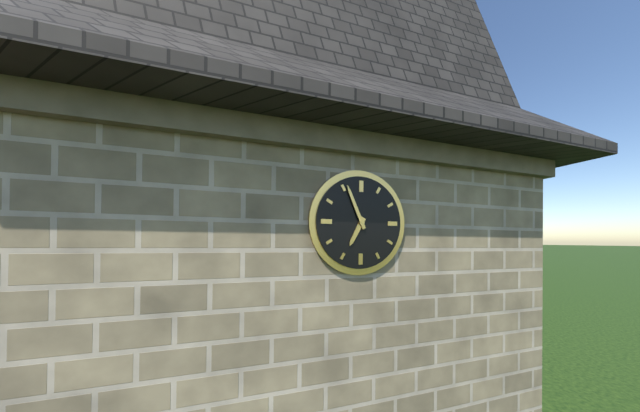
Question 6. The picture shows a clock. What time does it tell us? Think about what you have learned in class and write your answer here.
6:56
